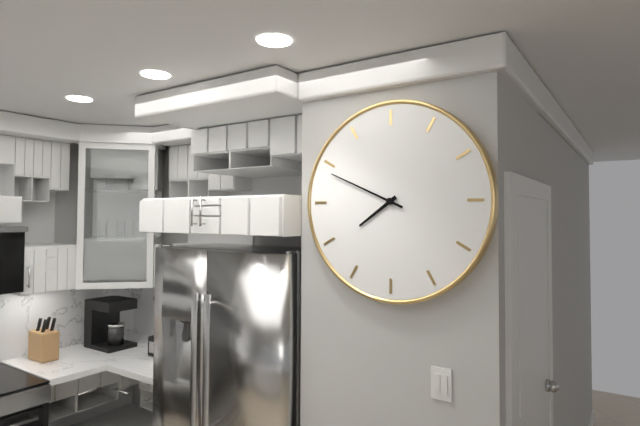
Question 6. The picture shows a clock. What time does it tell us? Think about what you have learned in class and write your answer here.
7:49
